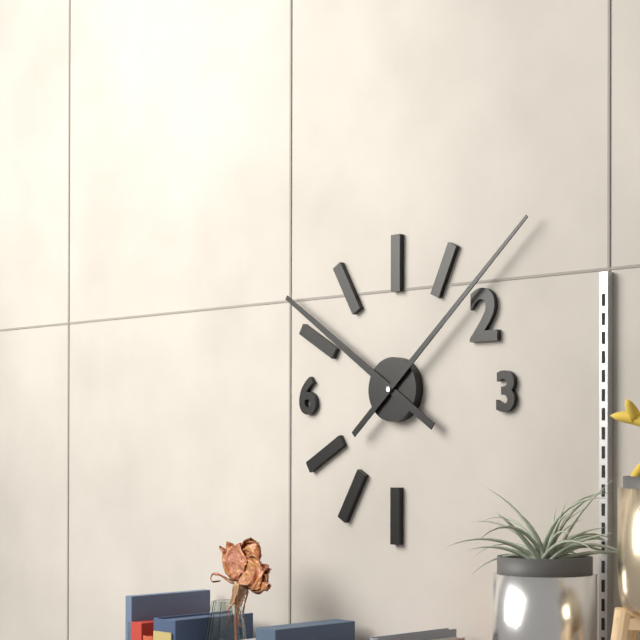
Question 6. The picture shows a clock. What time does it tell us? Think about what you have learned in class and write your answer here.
10:08
